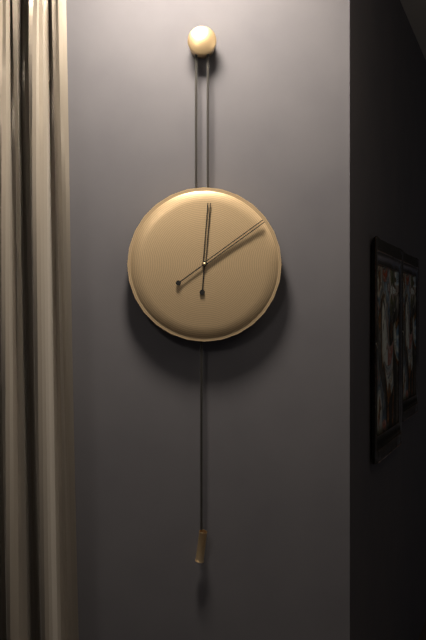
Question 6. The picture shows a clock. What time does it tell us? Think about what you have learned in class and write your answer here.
12:09
